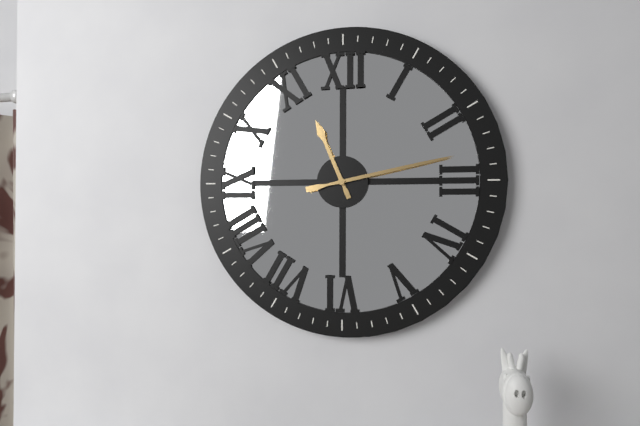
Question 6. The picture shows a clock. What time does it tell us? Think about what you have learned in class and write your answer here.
11:13
